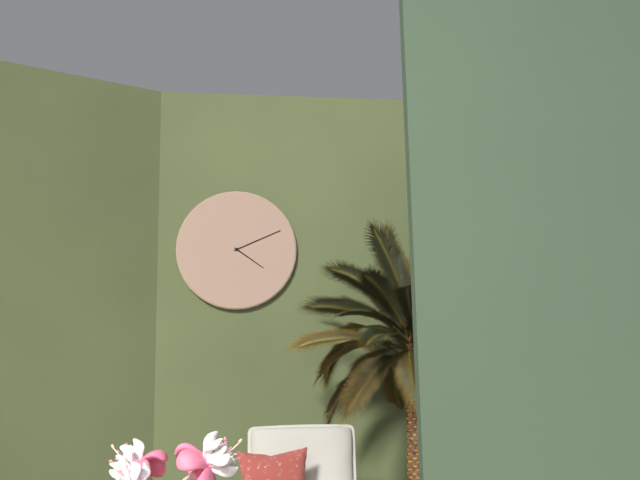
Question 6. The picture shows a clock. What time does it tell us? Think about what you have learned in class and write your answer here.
4:11
